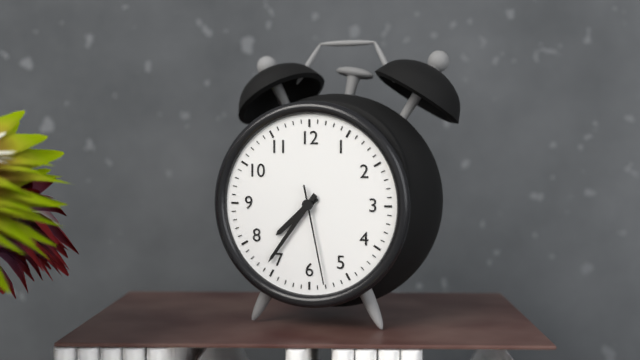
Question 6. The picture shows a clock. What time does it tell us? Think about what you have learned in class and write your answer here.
7:36:28
